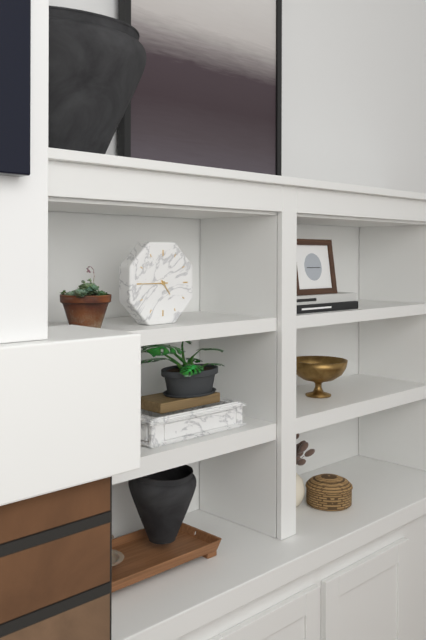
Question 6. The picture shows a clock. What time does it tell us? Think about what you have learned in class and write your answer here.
4:45
